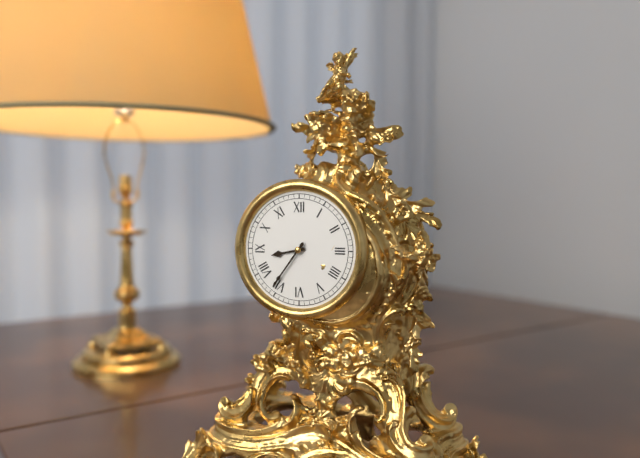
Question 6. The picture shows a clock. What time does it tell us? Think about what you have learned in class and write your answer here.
8:36
